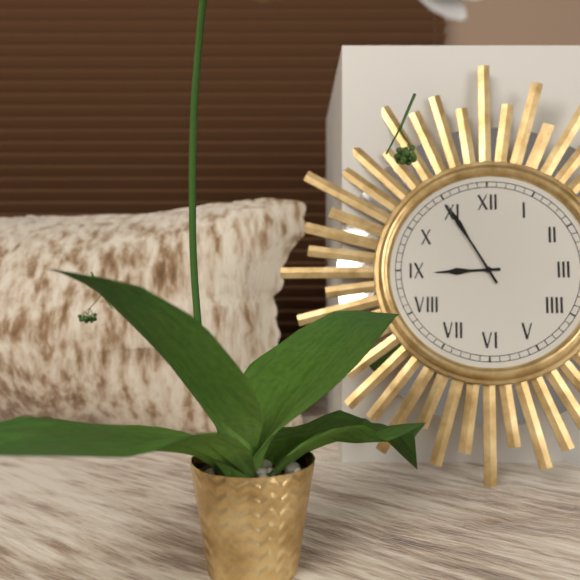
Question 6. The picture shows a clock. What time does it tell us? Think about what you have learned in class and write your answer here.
8:55
